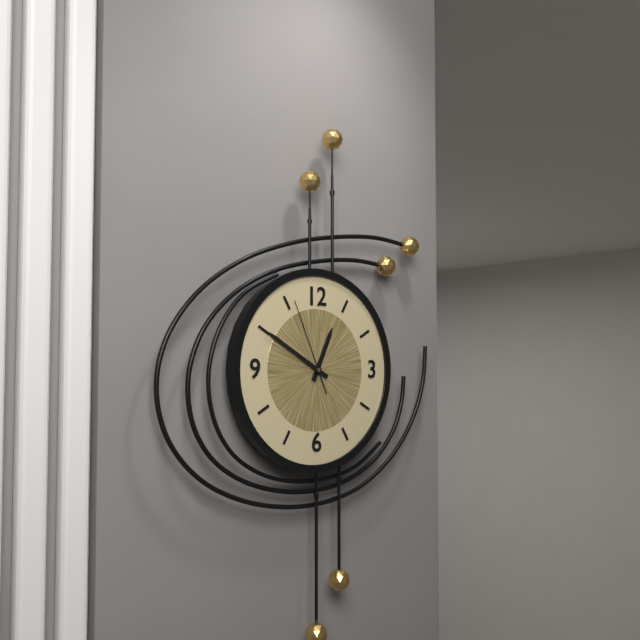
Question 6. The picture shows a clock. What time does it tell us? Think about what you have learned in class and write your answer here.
12:50:56
